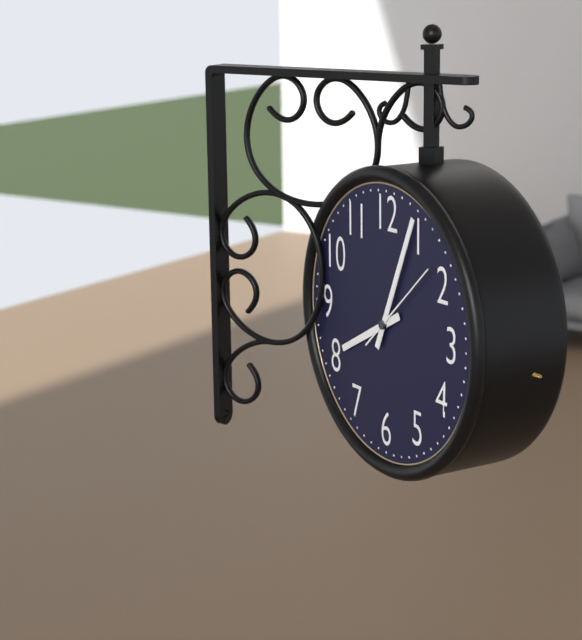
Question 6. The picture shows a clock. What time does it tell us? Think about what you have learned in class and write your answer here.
8:04:08
